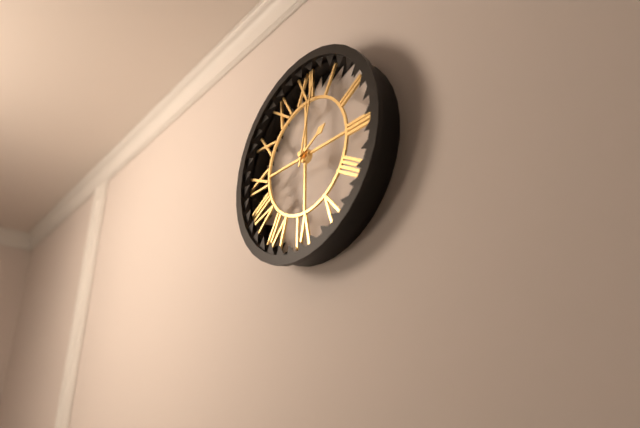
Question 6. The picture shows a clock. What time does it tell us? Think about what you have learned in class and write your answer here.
2:02
